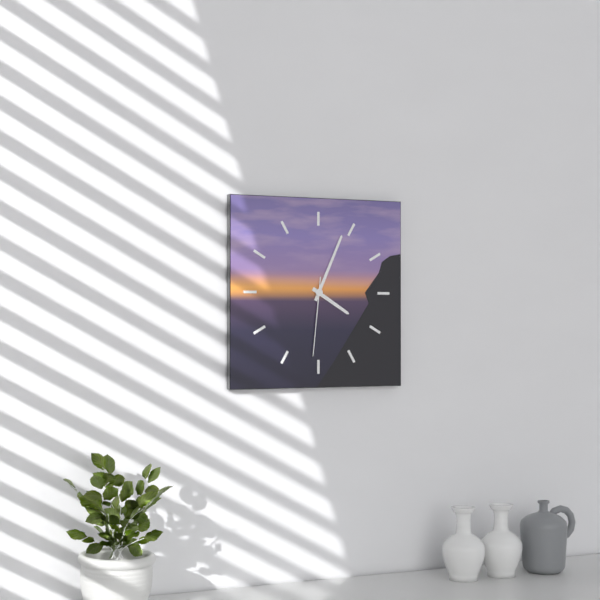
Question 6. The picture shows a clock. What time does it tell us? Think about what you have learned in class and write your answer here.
4:04:31
